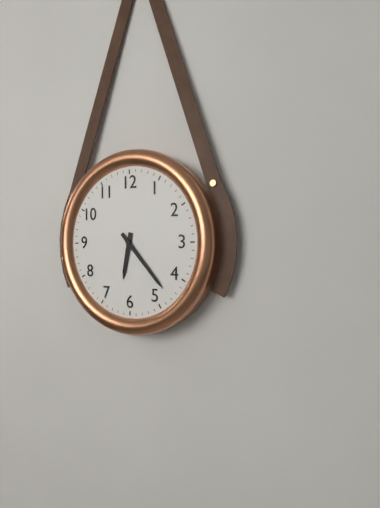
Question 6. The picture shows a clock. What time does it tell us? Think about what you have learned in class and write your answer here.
6:23
